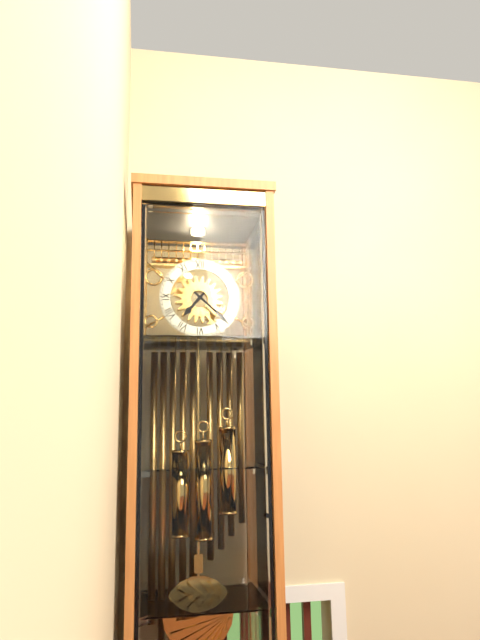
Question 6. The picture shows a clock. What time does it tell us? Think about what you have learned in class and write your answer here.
7:22
